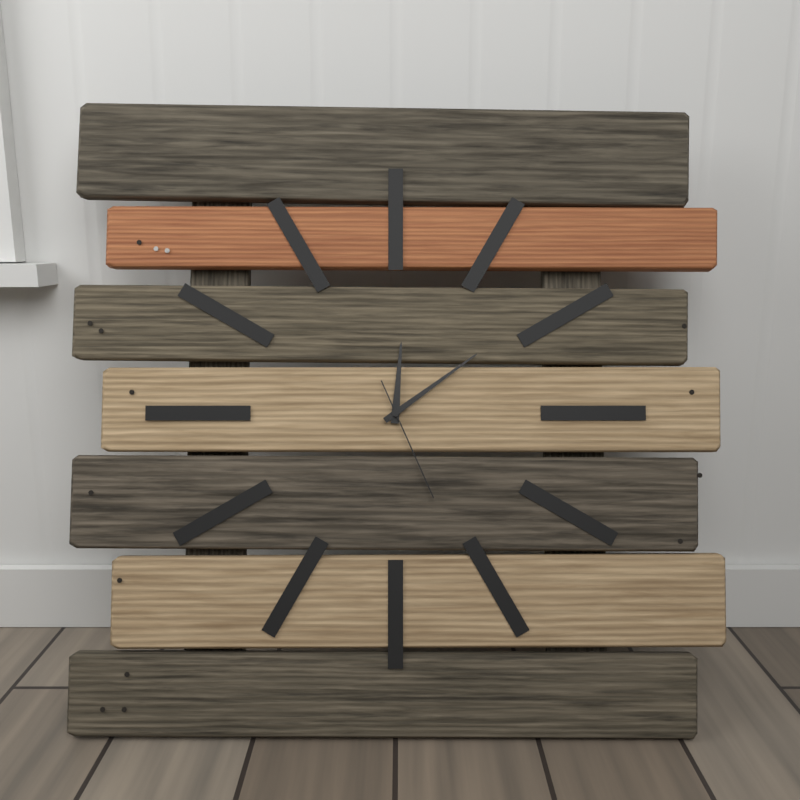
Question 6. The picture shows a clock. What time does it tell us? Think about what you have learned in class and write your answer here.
12:09:26
